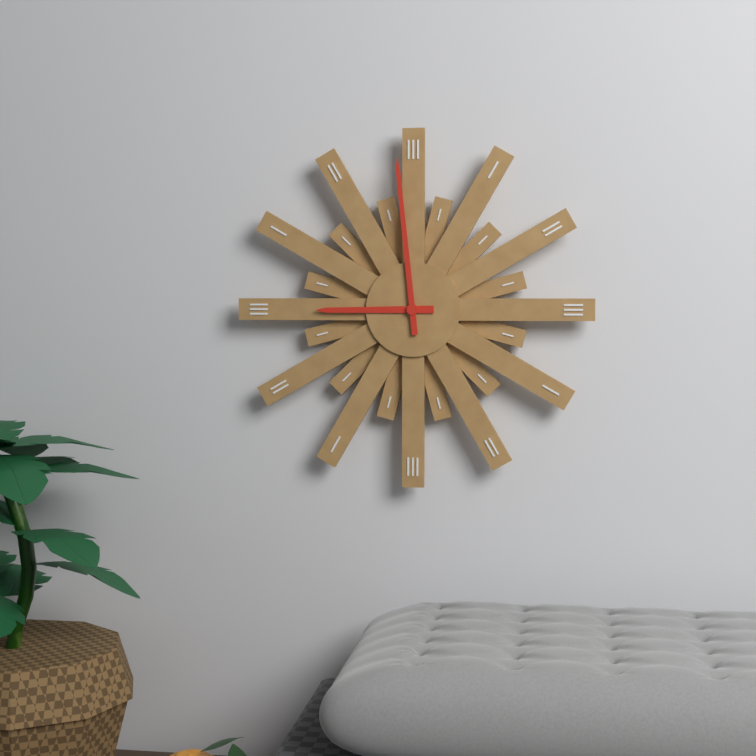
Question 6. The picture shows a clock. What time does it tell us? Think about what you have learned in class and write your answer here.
8:59
